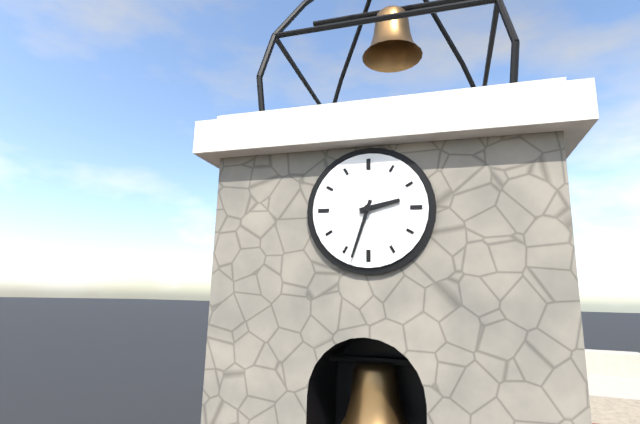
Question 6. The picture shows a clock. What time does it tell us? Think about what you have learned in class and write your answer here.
2:33
